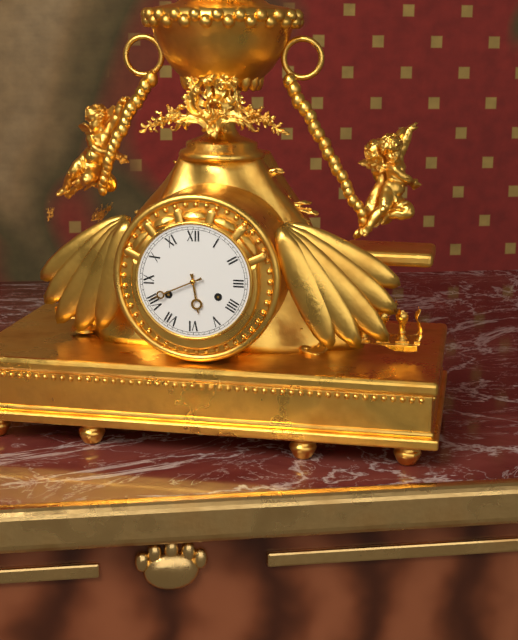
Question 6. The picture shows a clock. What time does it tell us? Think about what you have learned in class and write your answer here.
5:41
